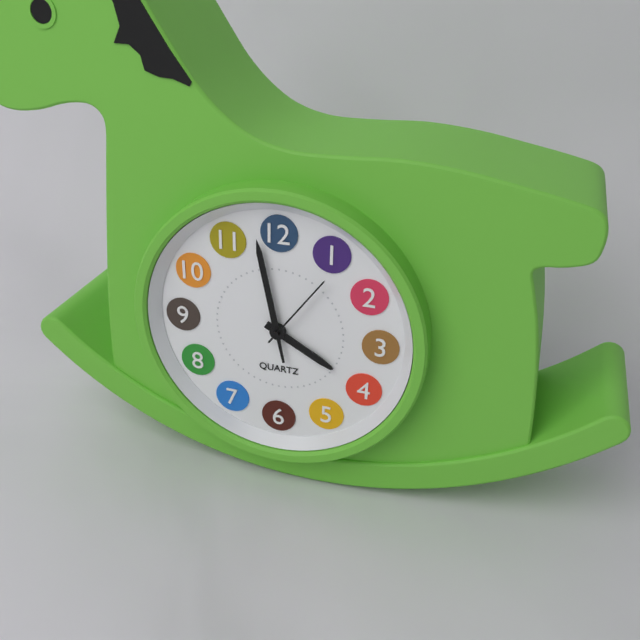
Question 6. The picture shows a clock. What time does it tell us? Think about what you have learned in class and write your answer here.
3:58:06
